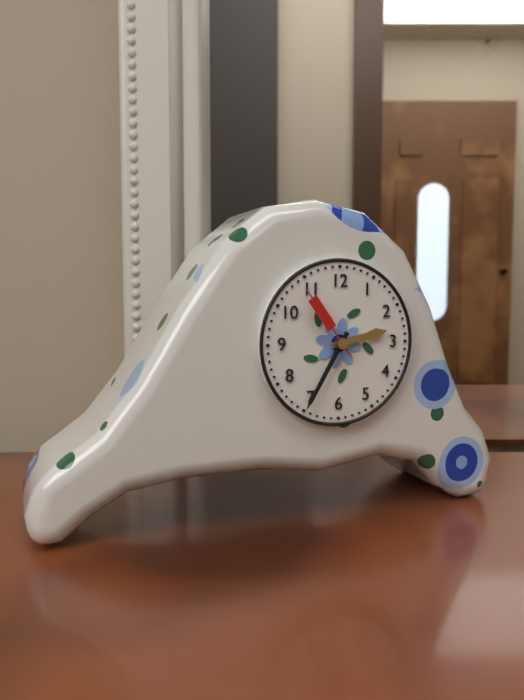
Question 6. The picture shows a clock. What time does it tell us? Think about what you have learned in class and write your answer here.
2:35:54
